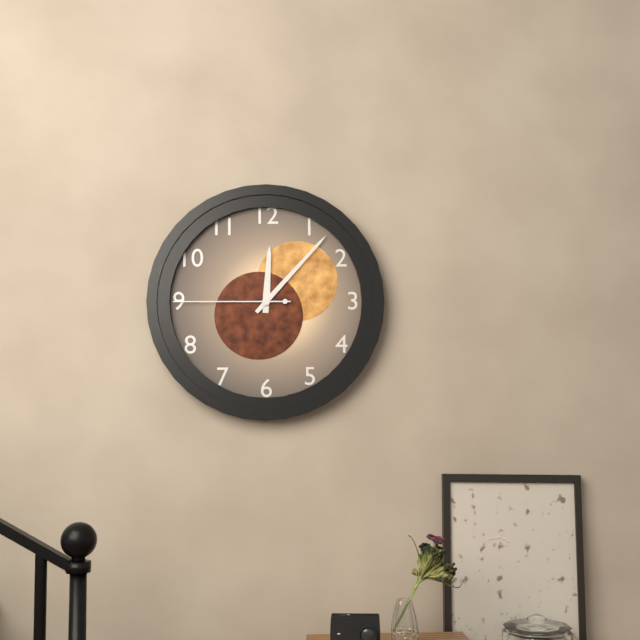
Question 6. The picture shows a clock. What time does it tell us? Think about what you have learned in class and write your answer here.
12:07:45
